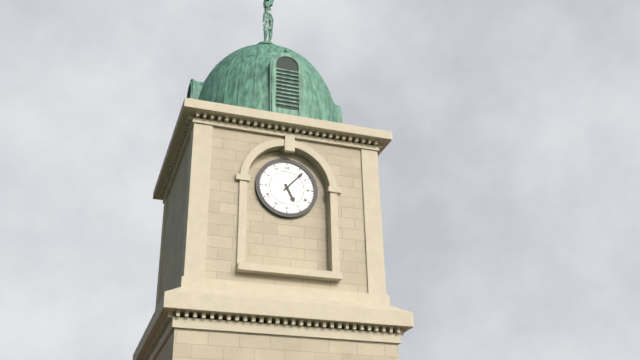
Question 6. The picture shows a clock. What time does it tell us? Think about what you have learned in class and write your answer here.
5:07
